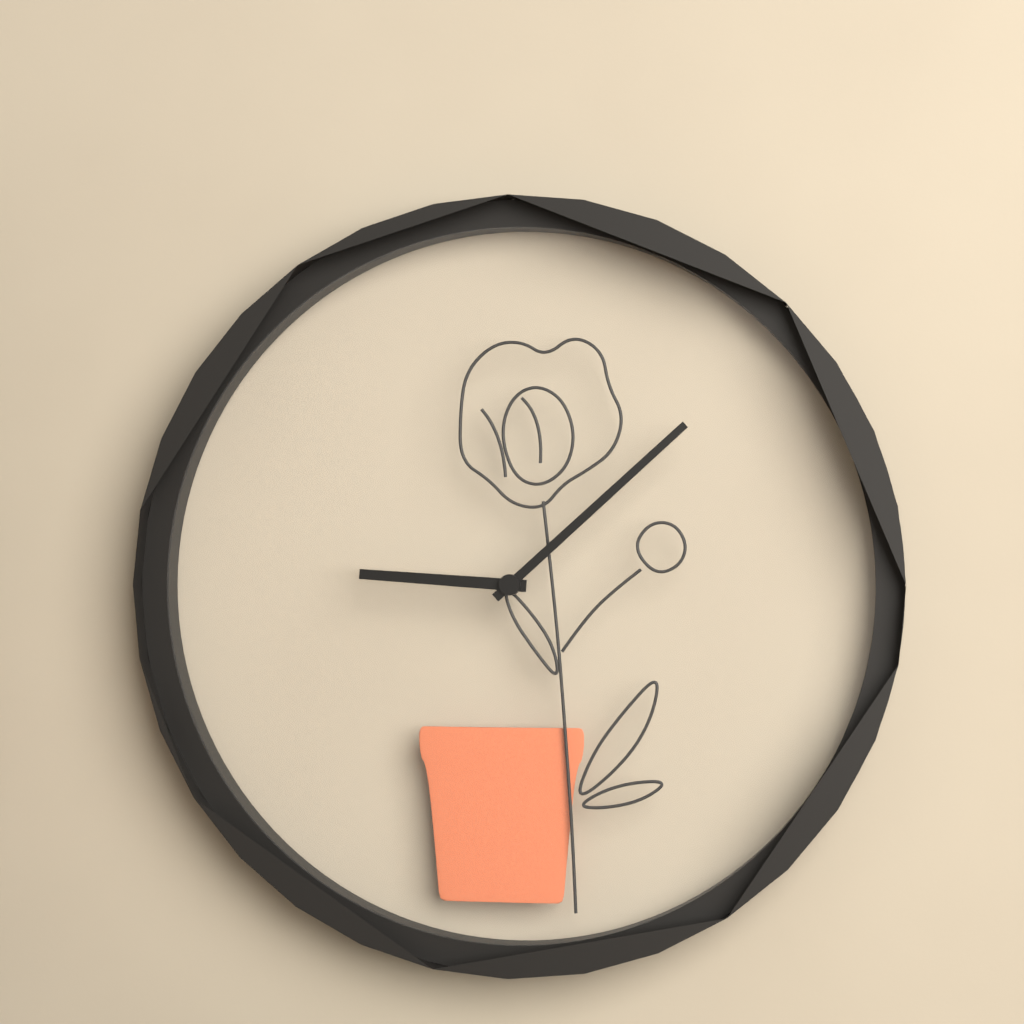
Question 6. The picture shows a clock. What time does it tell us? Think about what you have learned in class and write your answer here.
9:08
